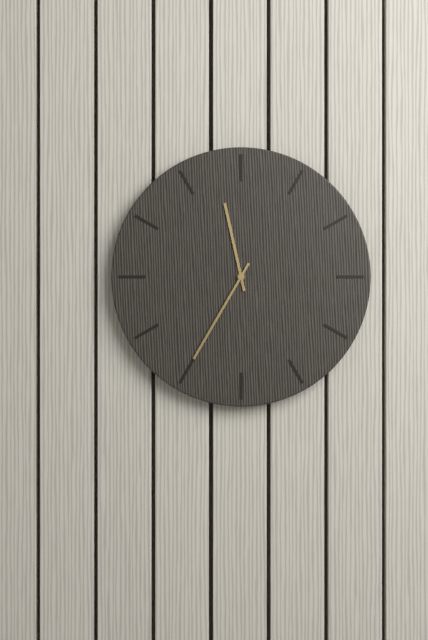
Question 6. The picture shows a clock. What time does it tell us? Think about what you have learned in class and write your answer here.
11:35
